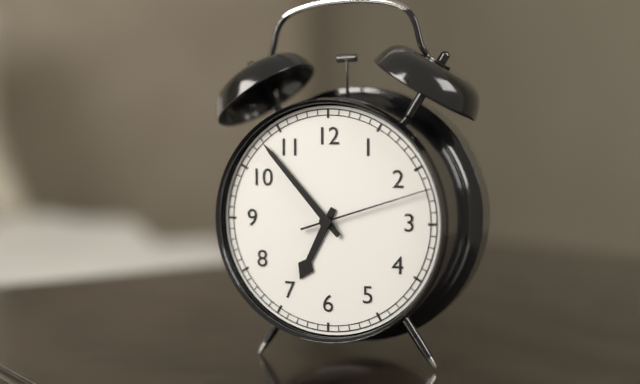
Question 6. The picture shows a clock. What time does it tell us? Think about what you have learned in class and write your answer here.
6:53:12
